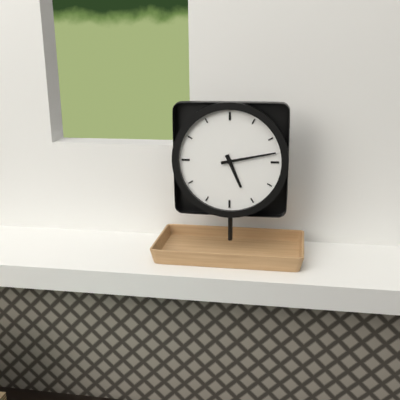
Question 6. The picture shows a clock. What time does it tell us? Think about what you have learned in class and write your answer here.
5:13
